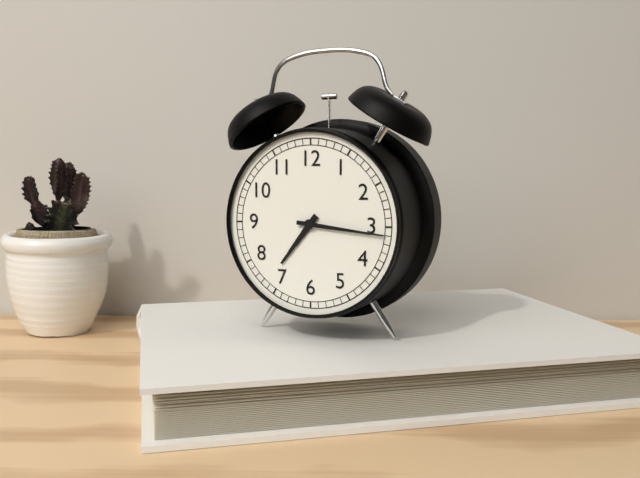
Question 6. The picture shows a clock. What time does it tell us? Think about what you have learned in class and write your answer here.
7:16
